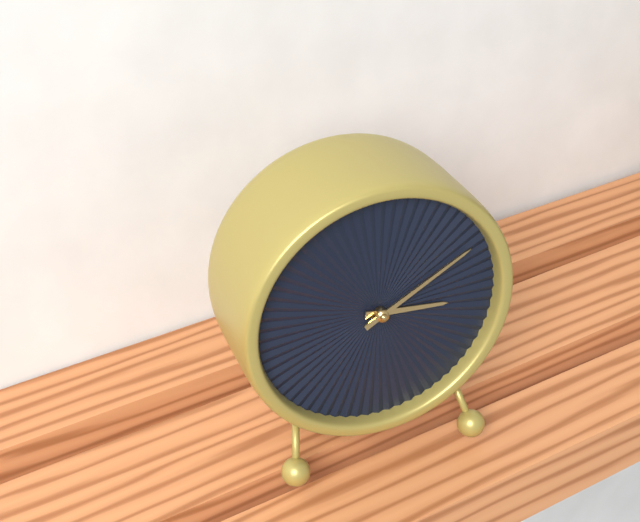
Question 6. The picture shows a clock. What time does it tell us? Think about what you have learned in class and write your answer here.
3:10
